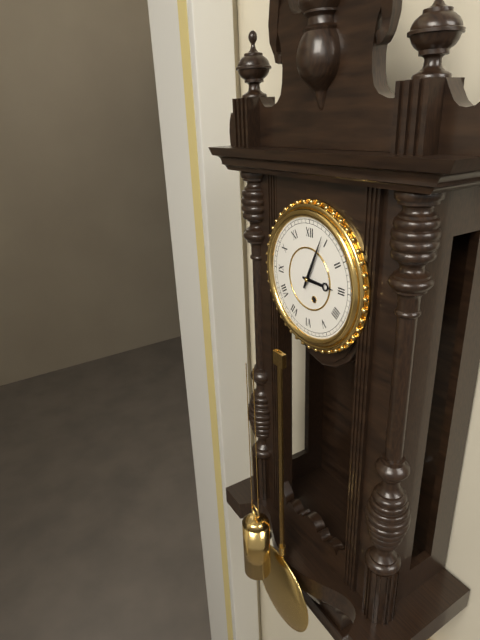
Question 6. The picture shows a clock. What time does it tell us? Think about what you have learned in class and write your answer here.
3:04
